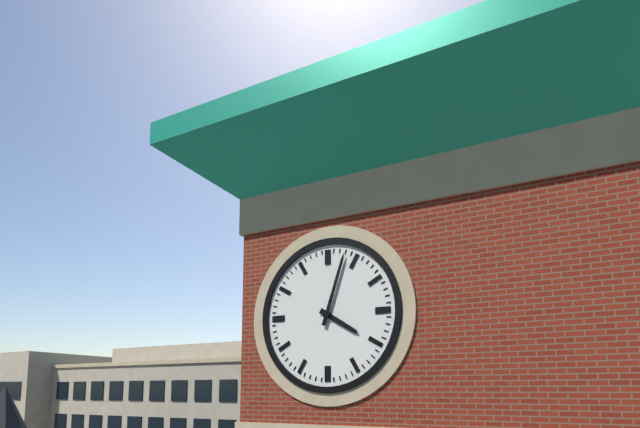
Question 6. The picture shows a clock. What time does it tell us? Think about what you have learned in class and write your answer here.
4:03
